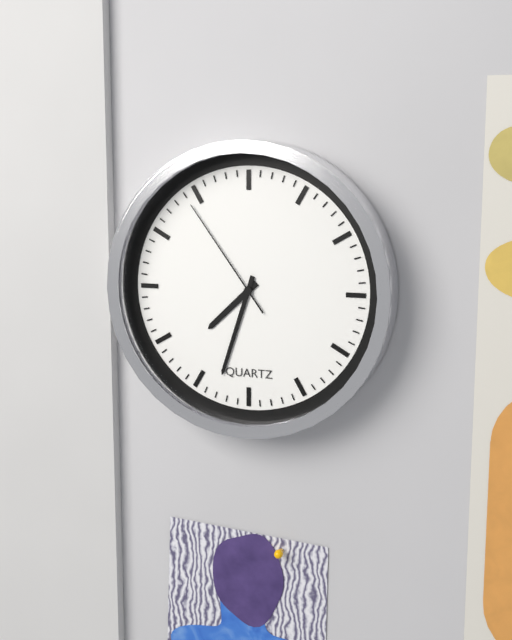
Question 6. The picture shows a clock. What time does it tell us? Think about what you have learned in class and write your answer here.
7:33:54
